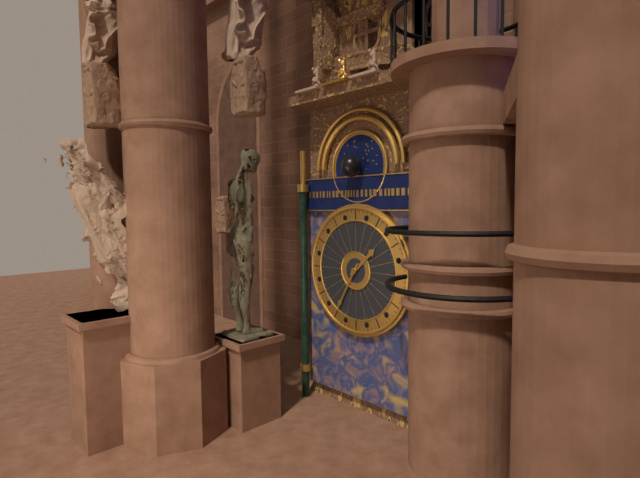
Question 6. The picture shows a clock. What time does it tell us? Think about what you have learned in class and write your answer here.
1:35
